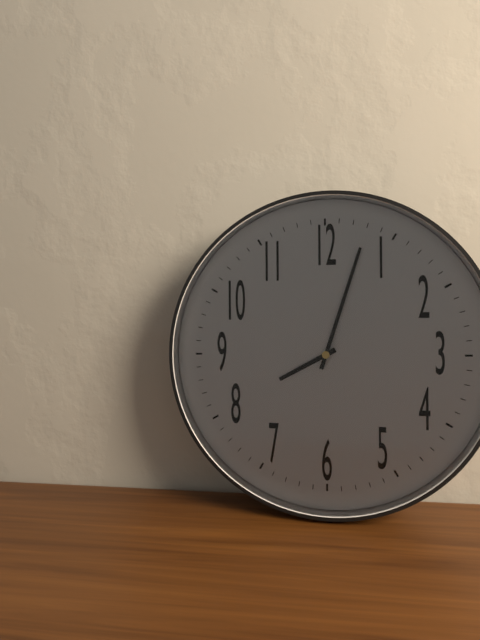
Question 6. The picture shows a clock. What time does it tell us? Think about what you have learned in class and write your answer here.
8:03
